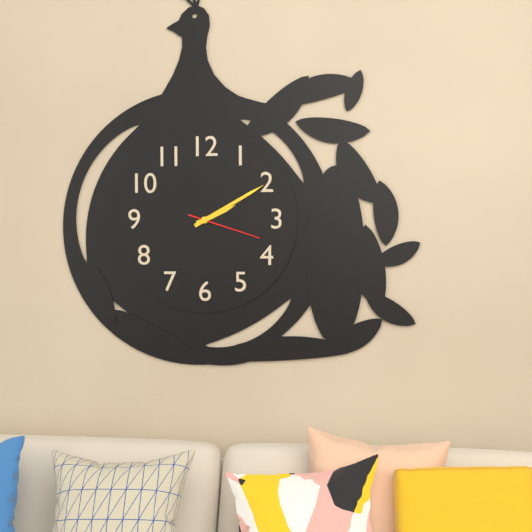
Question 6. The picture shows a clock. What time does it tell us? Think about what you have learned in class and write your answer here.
2:10:18
